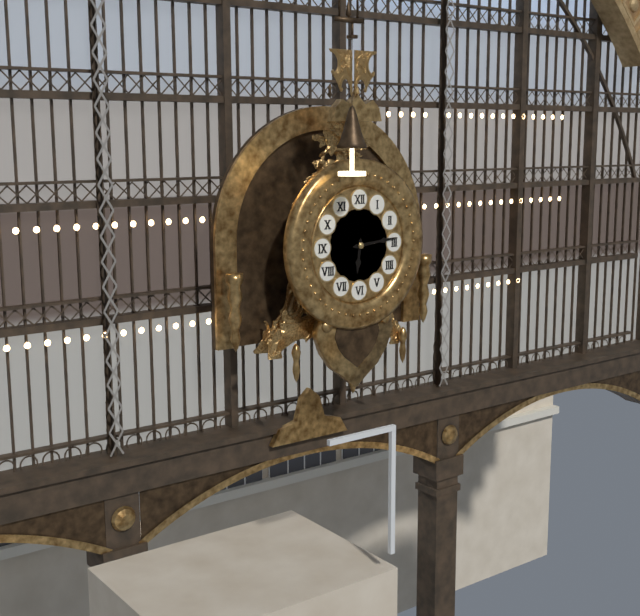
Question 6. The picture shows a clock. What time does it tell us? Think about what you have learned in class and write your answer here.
6:14
